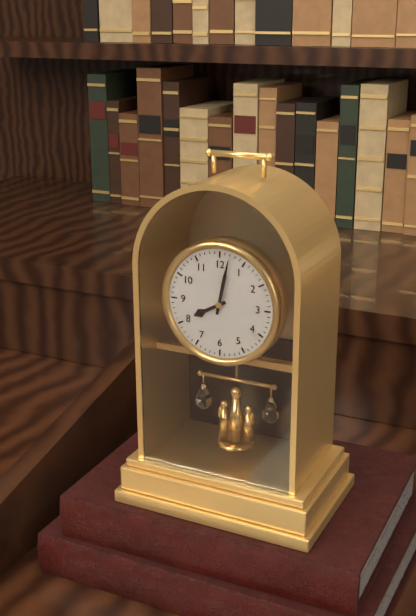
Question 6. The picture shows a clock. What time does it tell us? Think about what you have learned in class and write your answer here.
8:02
